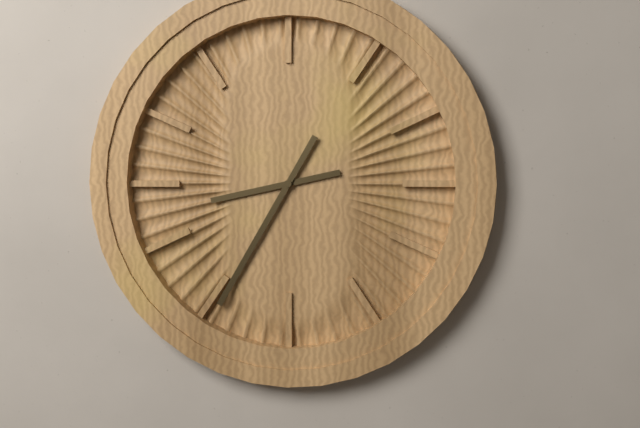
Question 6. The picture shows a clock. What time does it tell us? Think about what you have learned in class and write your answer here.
8:35
